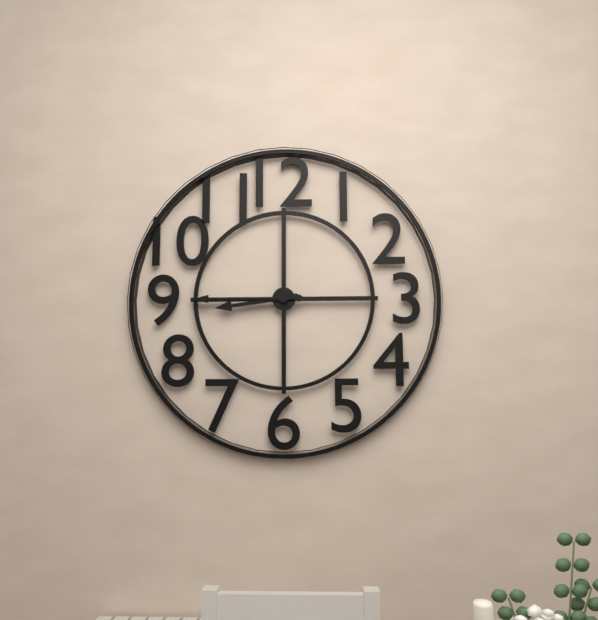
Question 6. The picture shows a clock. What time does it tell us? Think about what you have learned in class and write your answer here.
8:45
